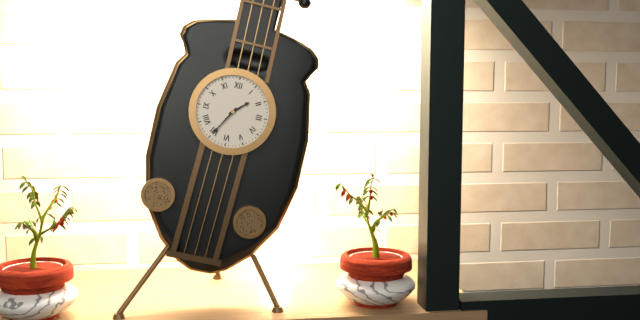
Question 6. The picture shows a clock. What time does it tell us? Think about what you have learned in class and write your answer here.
1:35
